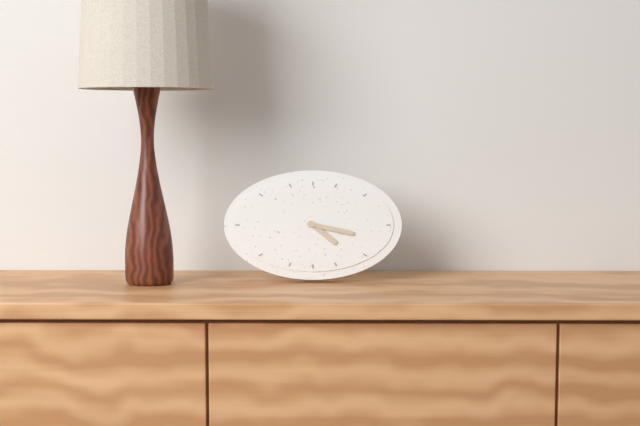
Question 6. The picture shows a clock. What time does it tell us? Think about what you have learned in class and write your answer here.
4:17
